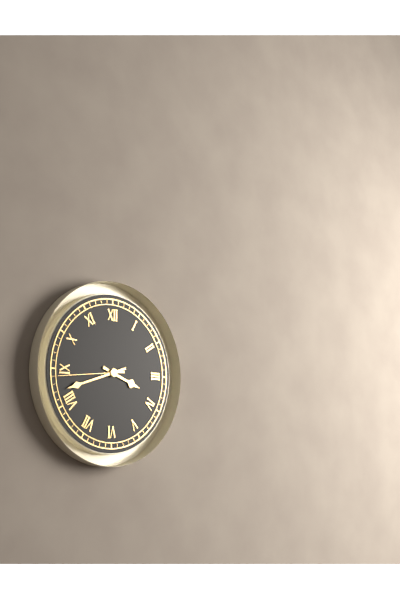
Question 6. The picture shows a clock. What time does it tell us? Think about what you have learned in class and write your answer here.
3:42:44
